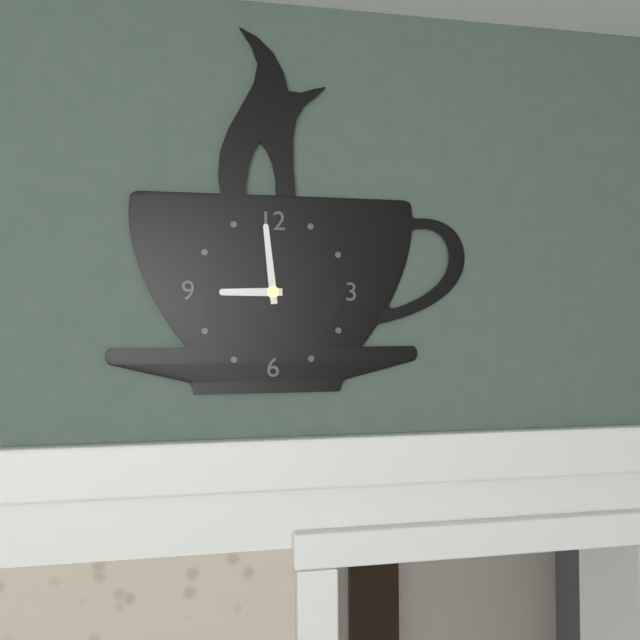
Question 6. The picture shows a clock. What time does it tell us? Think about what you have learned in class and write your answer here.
8:59
